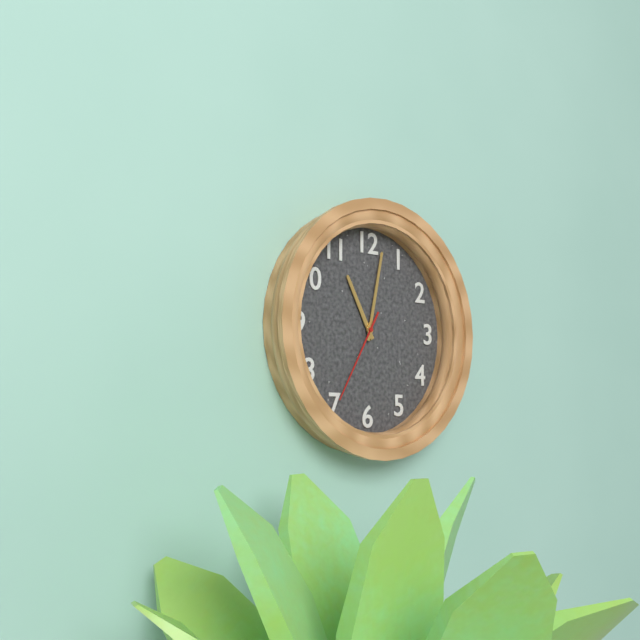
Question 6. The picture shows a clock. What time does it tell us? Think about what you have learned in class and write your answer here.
11:02:35
